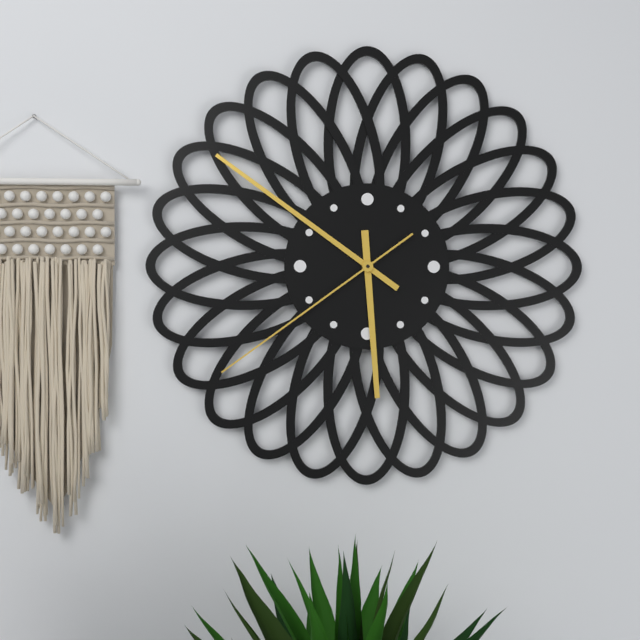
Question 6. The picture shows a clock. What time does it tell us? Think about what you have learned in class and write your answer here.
5:51:39
